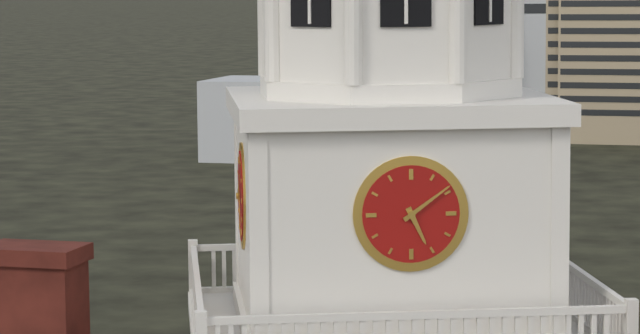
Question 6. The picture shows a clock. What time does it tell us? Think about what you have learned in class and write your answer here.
5:09
